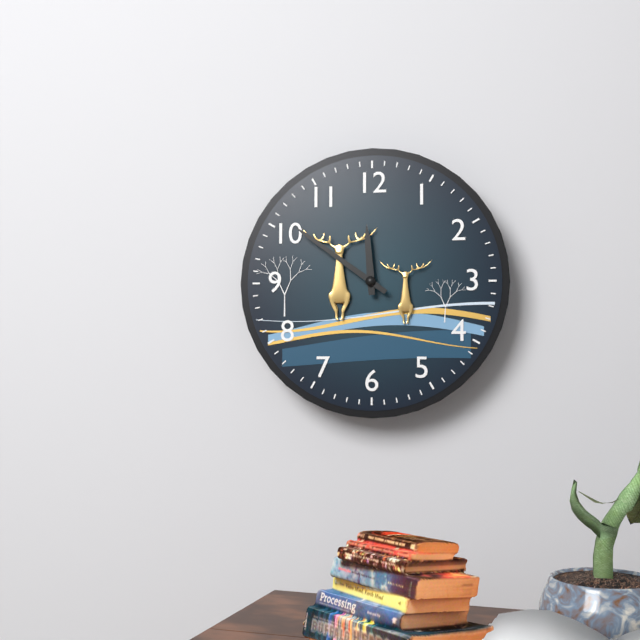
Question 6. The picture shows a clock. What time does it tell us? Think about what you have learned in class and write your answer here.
11:51
